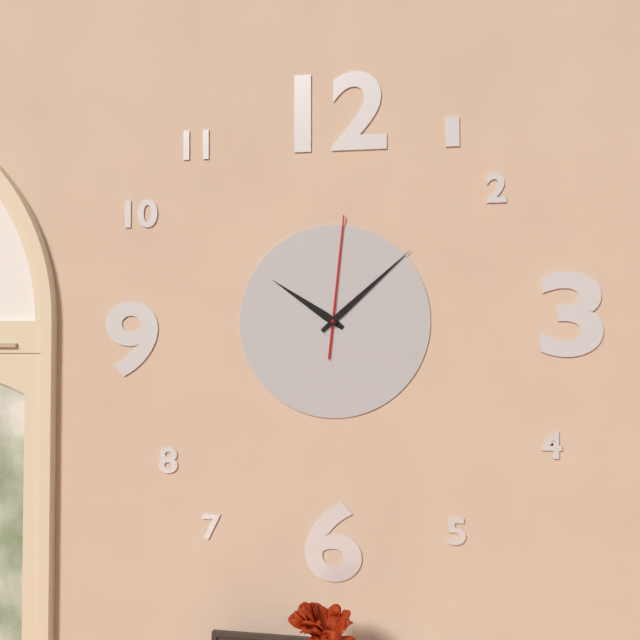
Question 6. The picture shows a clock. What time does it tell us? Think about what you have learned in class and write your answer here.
10:08:01
